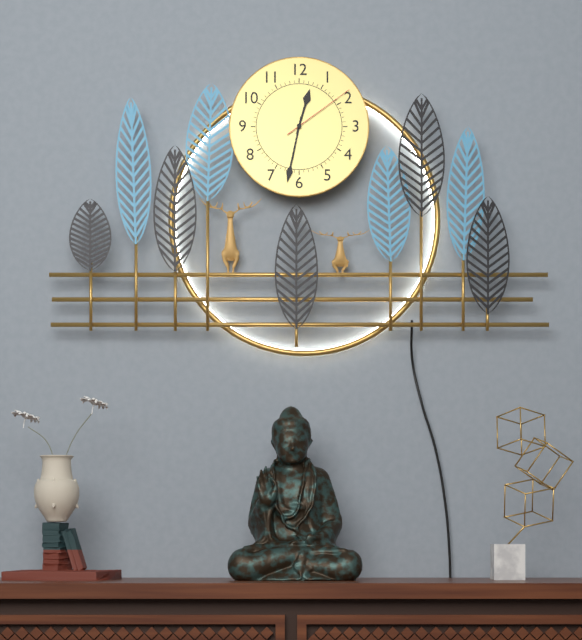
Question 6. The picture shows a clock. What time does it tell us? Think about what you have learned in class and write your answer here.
12:32:09
